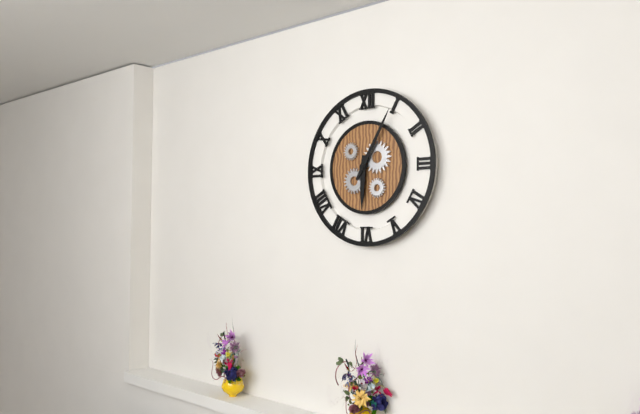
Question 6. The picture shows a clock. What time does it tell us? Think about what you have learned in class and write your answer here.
6:05
